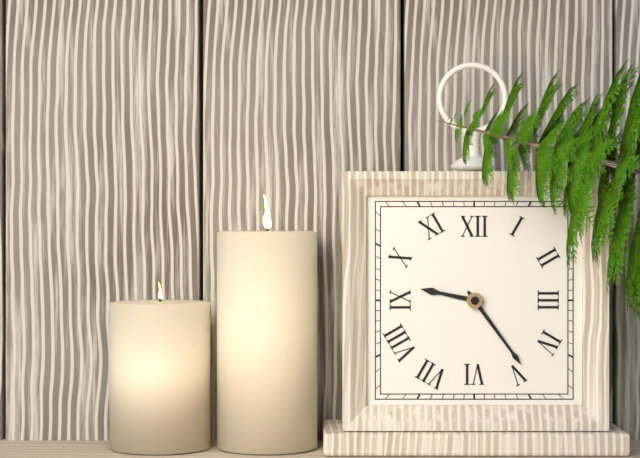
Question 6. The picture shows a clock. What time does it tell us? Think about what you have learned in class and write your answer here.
9:24
